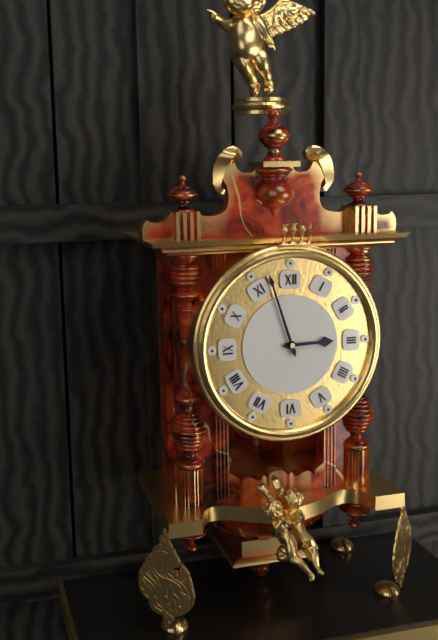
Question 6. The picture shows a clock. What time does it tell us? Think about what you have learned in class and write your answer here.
2:57
